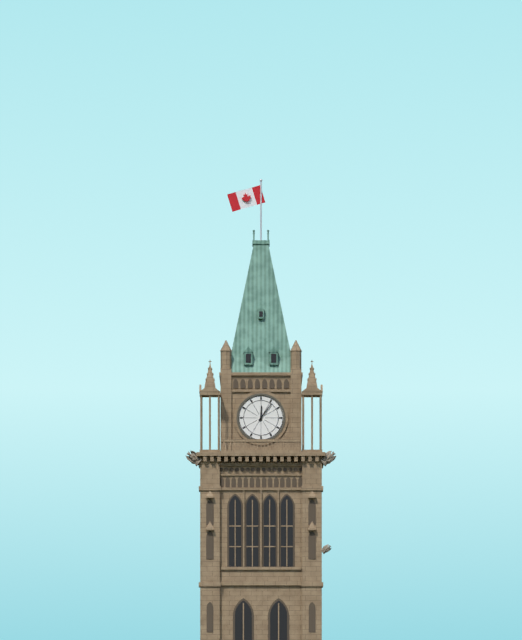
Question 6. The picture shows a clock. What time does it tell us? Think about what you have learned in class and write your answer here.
12:06
